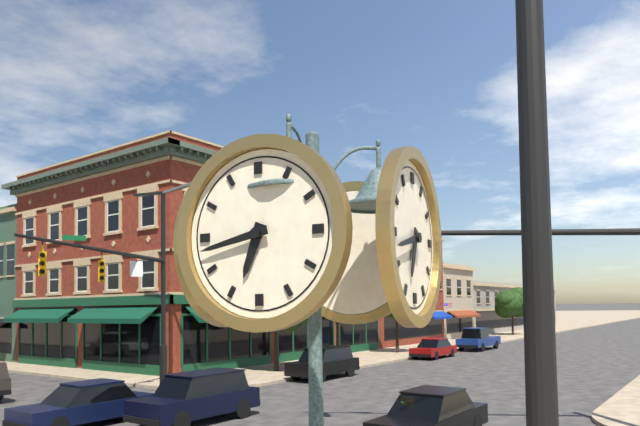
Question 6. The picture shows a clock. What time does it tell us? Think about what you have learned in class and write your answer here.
6:43
